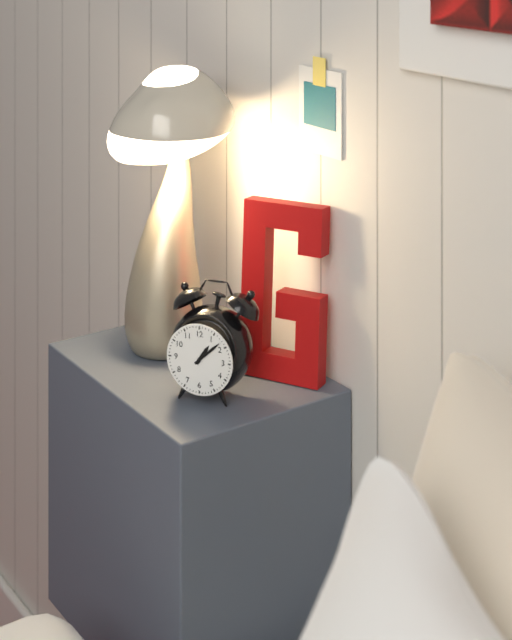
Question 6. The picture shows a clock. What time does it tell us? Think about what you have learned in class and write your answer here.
1:08
